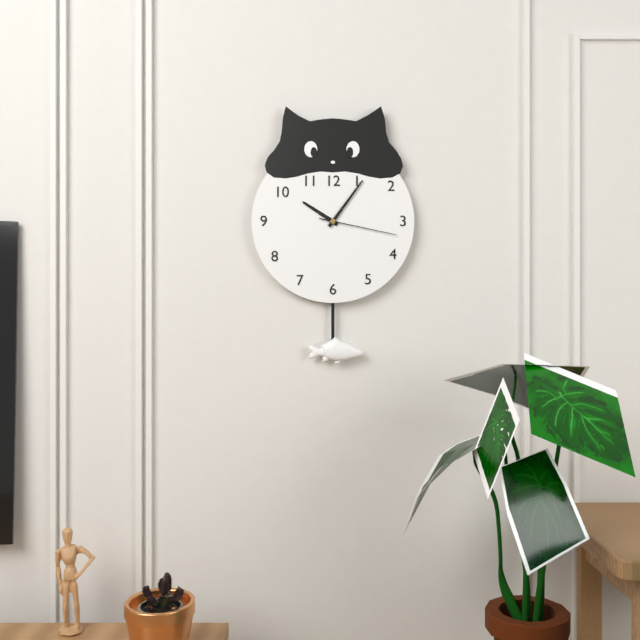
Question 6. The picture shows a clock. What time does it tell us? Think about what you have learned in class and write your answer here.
10:06:17
